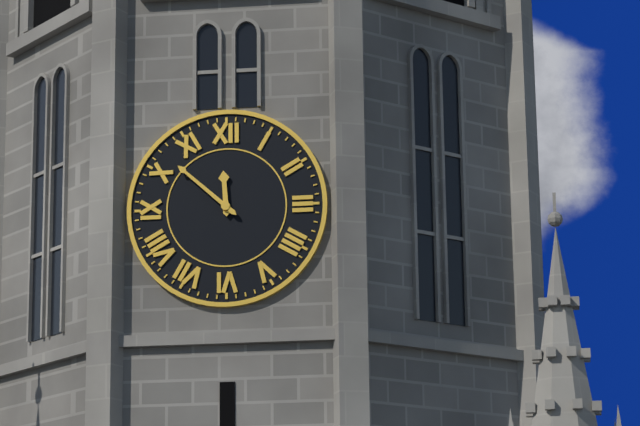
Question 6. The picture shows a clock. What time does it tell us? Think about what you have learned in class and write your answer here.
11:52
